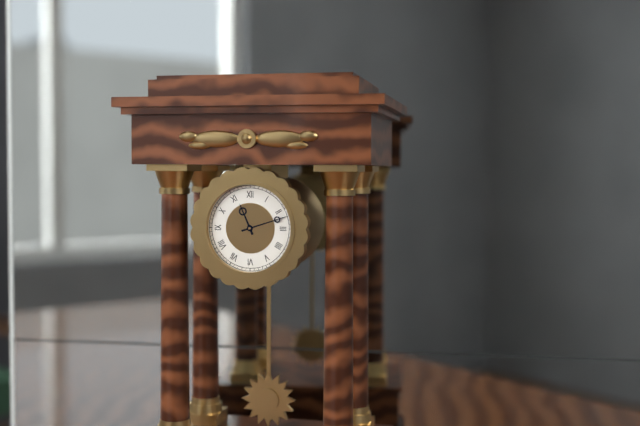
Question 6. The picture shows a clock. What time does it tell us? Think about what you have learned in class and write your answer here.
11:12
